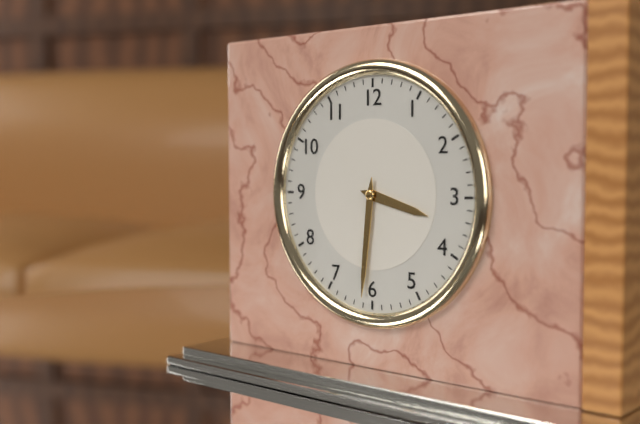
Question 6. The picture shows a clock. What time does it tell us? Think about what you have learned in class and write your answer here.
3:31
